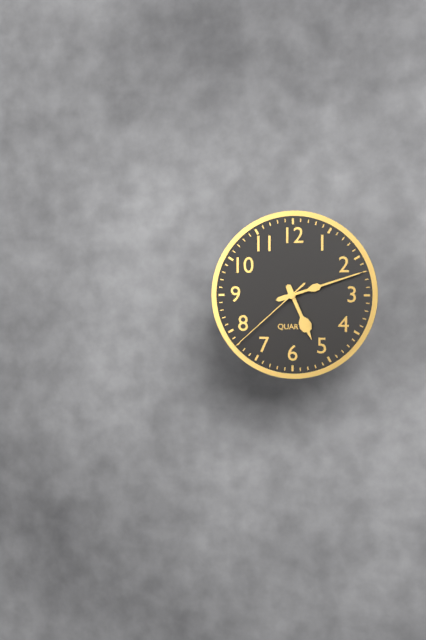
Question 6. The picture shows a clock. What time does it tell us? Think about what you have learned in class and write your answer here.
5:12:38
